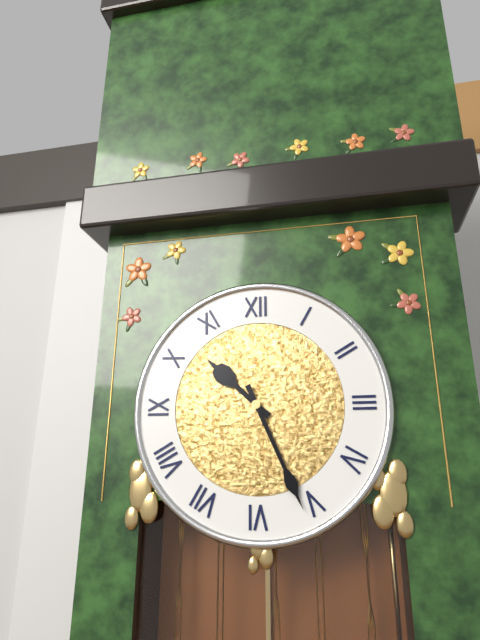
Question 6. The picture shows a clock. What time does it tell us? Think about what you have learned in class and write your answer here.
10:26
